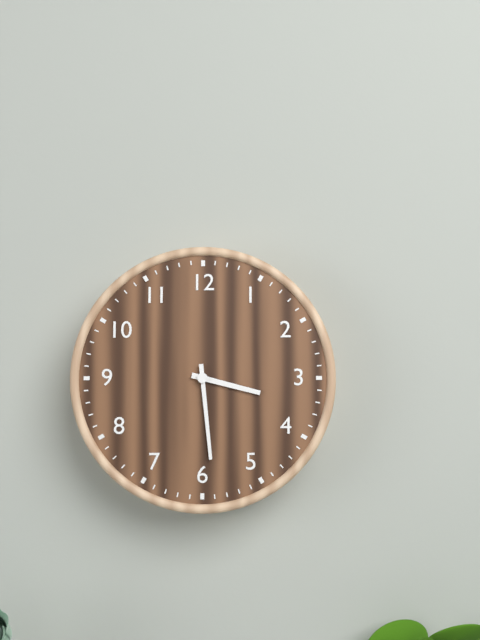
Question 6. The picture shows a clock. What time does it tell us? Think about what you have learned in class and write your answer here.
3:29
